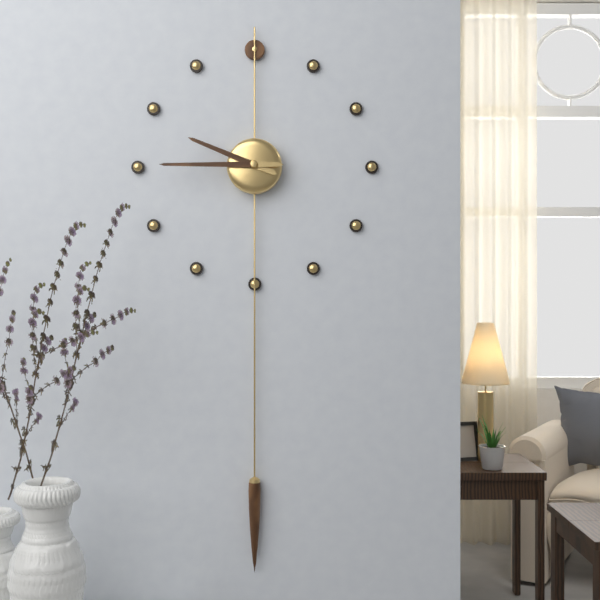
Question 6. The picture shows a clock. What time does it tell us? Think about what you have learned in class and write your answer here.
9:45
